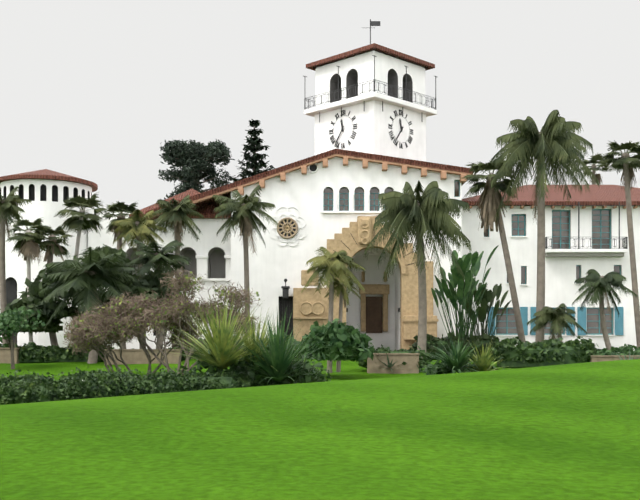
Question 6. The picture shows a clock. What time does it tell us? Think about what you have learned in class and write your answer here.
11:36
